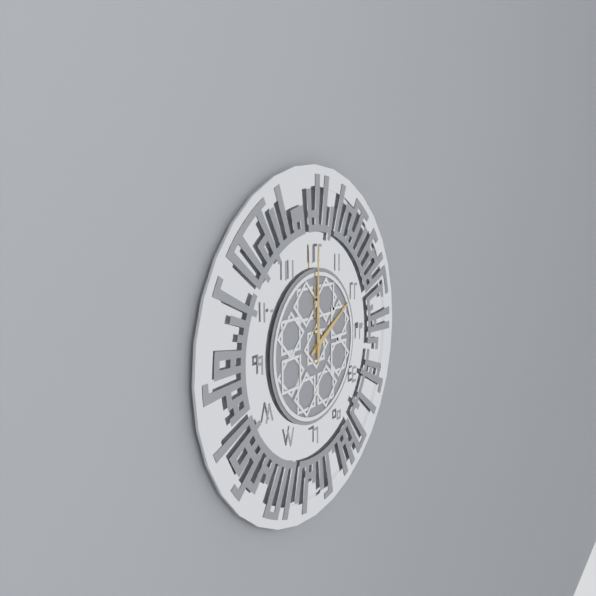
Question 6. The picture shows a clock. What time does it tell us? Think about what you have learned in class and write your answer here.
2:00
